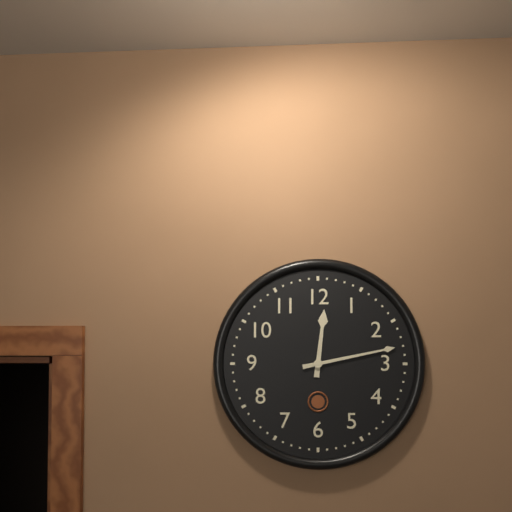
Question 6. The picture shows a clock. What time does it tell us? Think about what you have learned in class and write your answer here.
12:13
